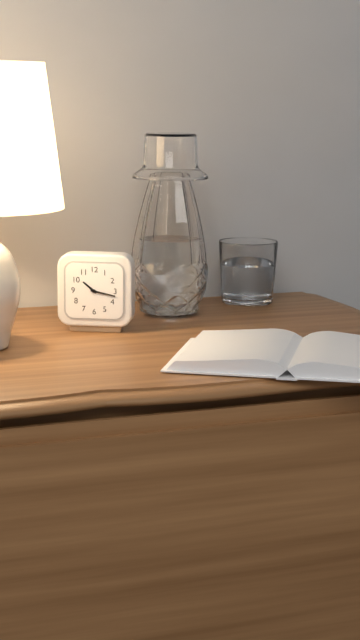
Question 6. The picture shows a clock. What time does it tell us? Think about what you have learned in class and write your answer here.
10:17
